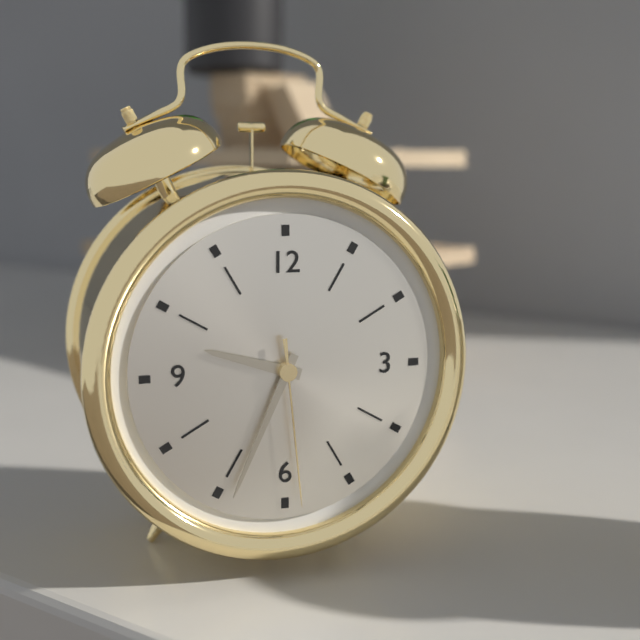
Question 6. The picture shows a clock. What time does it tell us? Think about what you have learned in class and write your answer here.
9:34:29
